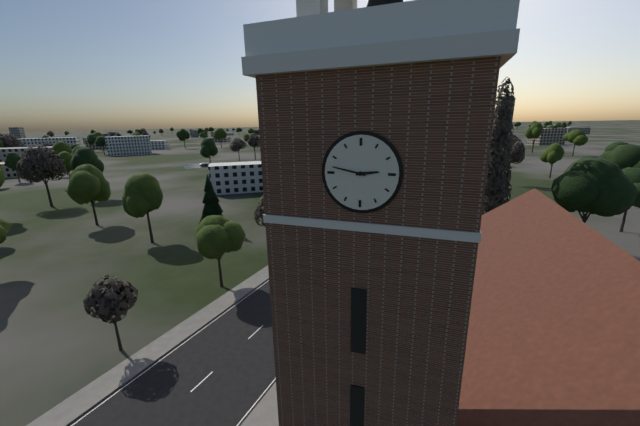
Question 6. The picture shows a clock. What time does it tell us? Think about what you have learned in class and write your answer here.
2:47
